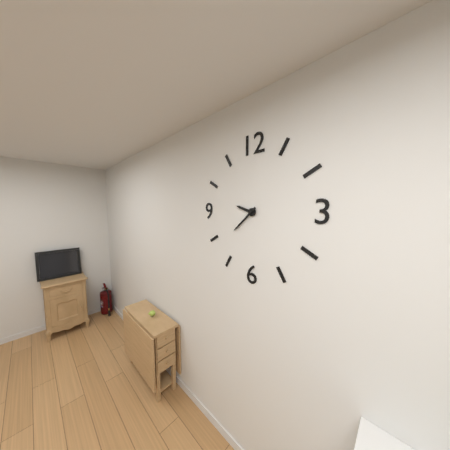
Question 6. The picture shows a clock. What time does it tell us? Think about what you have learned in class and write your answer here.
9:38
